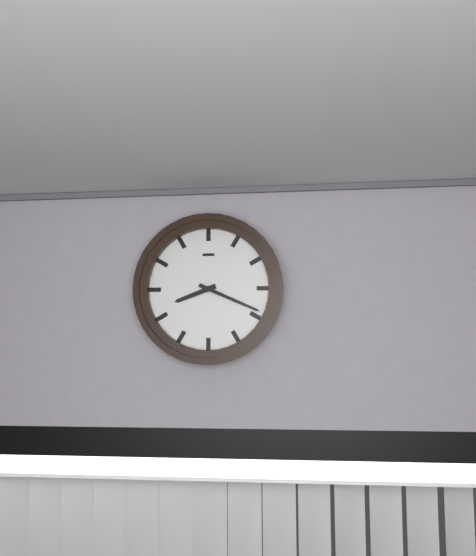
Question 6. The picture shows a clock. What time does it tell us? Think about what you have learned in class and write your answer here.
8:19
